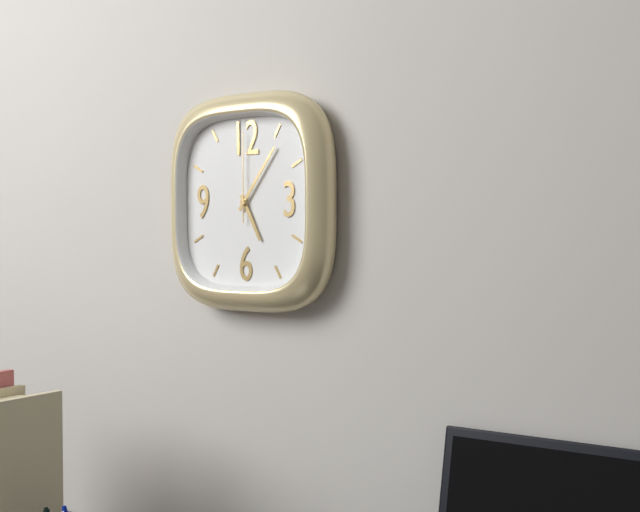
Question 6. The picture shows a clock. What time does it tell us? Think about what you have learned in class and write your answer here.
5:06:00
